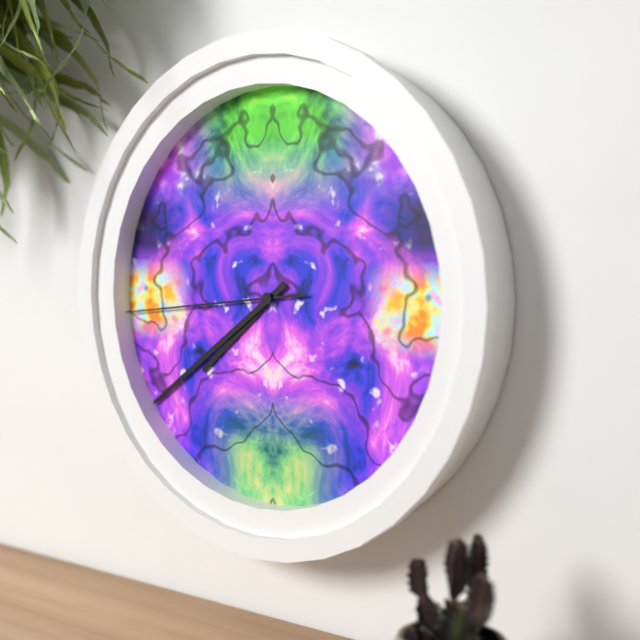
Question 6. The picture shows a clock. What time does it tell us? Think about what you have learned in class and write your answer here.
7:39:44
